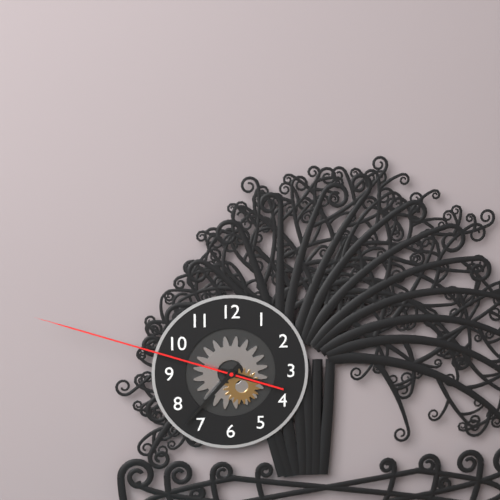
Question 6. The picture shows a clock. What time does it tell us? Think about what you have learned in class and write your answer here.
3:37:48
